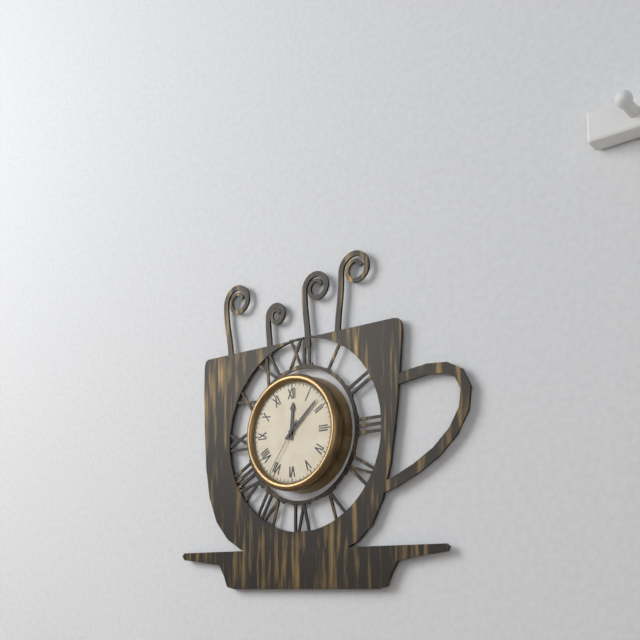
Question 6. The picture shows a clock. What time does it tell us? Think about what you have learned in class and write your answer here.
12:08:36
